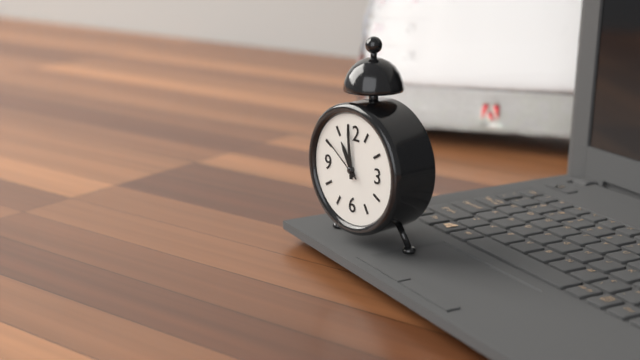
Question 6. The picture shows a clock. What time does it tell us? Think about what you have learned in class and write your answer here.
10:59:51
